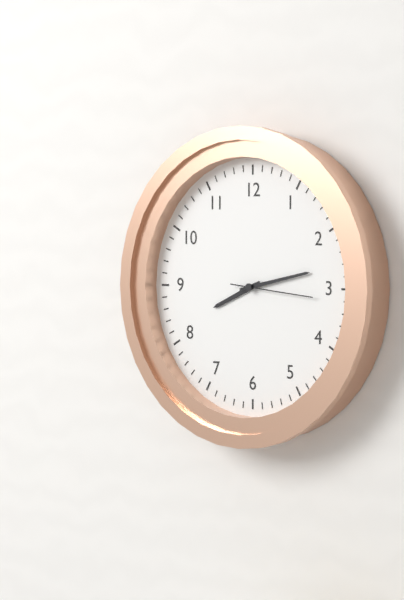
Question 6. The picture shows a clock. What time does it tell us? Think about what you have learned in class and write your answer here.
8:13:16
